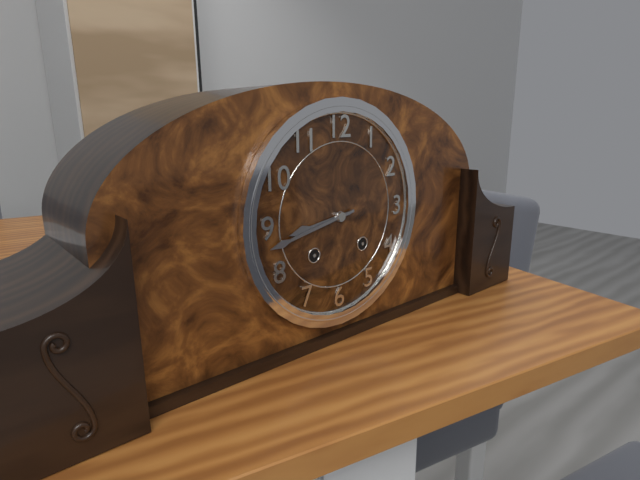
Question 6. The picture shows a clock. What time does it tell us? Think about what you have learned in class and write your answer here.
8:43
